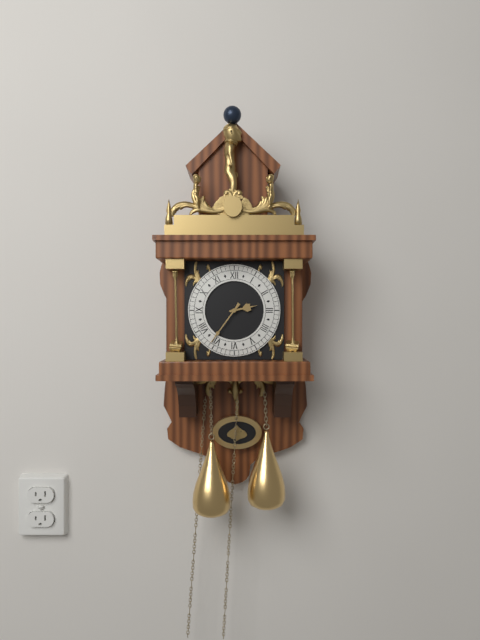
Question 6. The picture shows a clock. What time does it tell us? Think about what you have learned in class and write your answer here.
2:36
